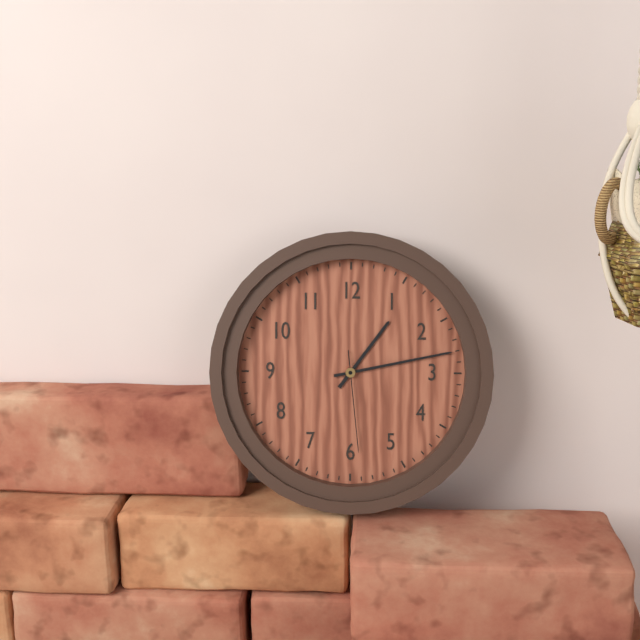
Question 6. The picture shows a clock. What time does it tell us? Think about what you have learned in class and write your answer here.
1:13:29
